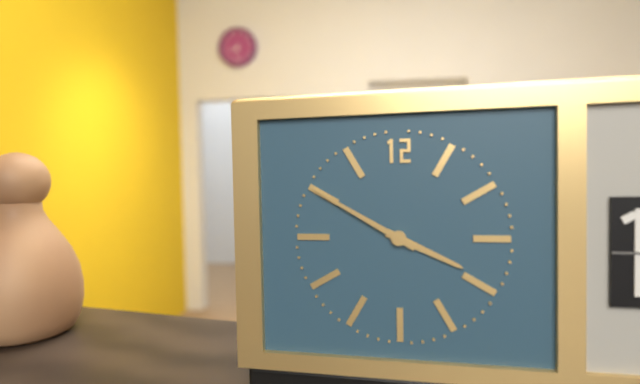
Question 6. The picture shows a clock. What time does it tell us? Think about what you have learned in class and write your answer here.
3:50
